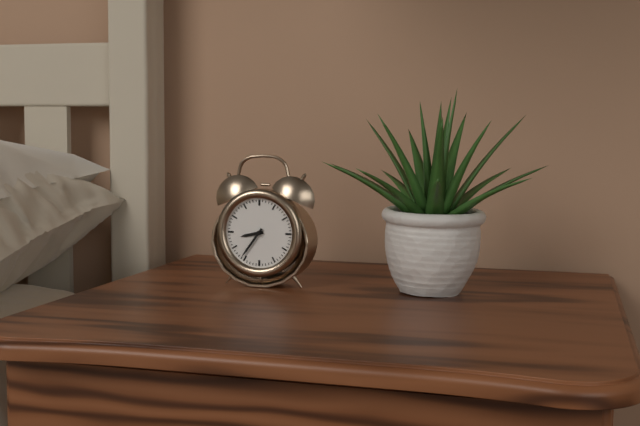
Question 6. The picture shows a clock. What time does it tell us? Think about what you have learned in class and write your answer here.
8:36
